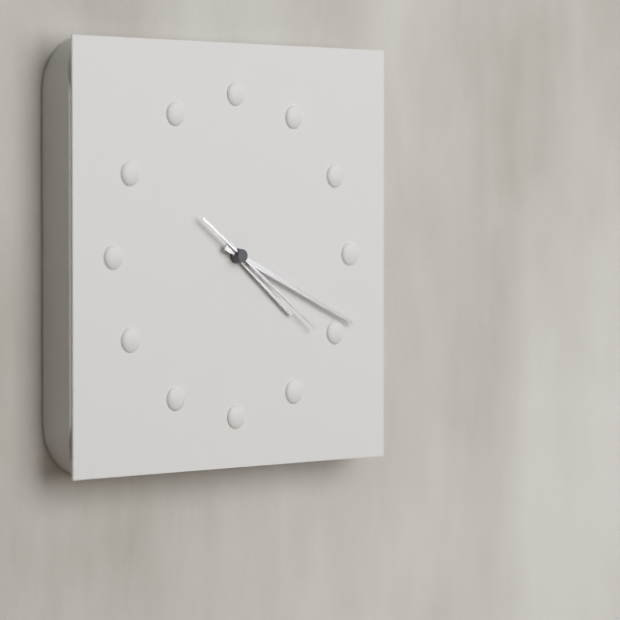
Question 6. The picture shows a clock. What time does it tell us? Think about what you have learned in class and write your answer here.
4:19:21
